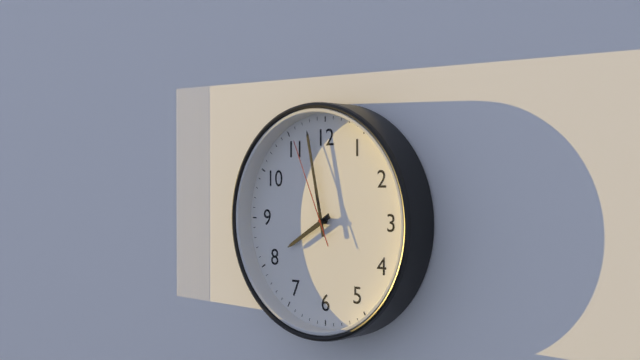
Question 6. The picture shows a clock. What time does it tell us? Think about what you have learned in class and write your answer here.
7:58:56
